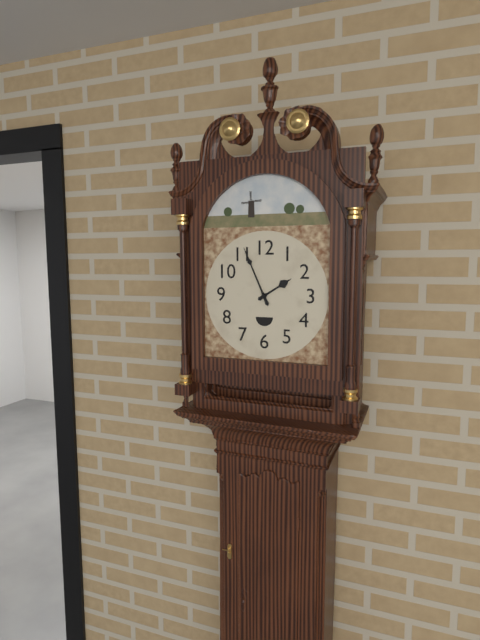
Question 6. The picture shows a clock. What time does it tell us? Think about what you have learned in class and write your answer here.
1:56
